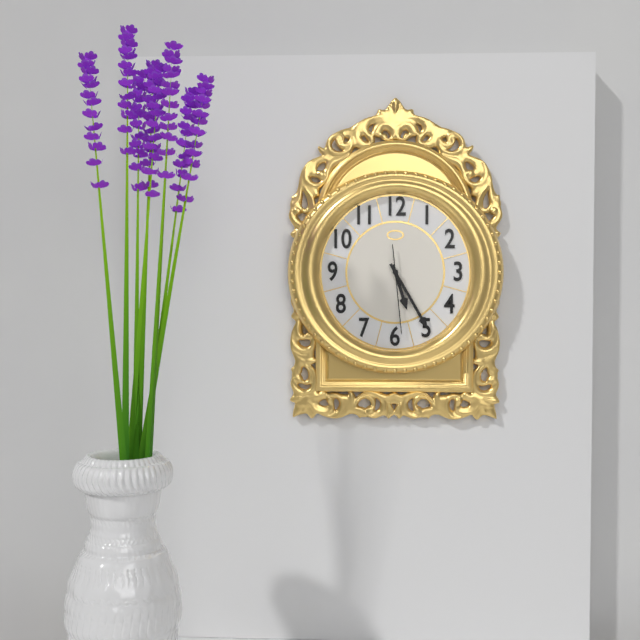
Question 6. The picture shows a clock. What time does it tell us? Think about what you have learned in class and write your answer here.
5:25:29
